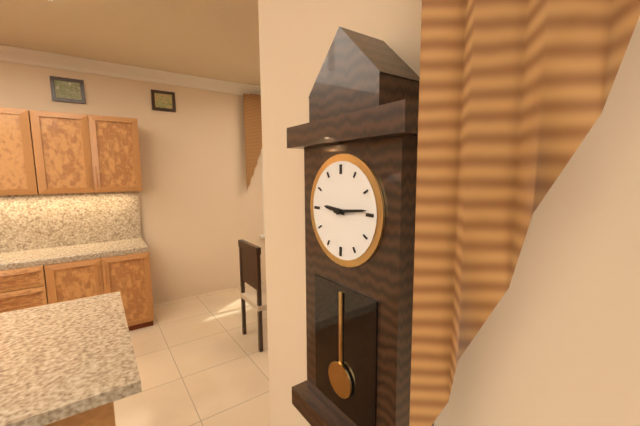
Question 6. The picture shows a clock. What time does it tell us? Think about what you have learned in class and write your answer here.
9:14
